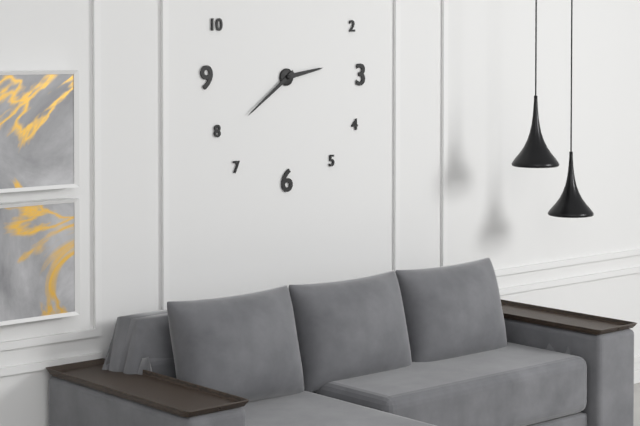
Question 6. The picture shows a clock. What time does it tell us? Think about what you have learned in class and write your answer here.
2:39
